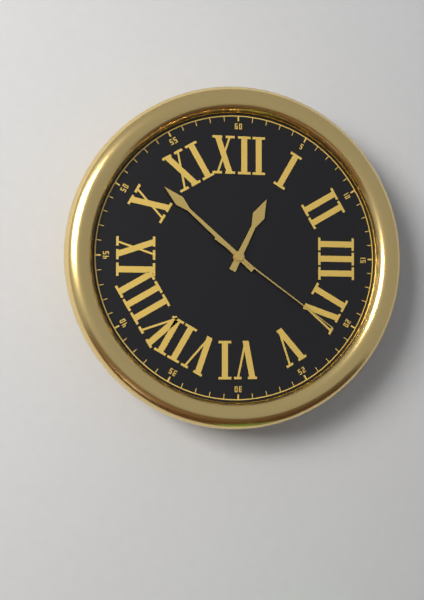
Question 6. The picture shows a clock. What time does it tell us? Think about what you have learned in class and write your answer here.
12:52:21
